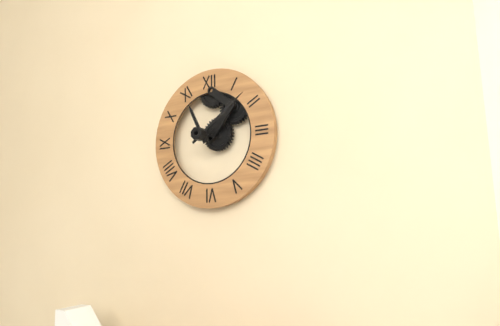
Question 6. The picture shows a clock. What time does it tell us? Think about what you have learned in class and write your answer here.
11:09
